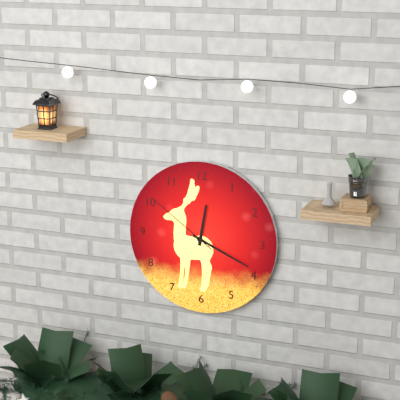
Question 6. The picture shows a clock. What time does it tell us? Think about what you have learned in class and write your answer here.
12:19:51
